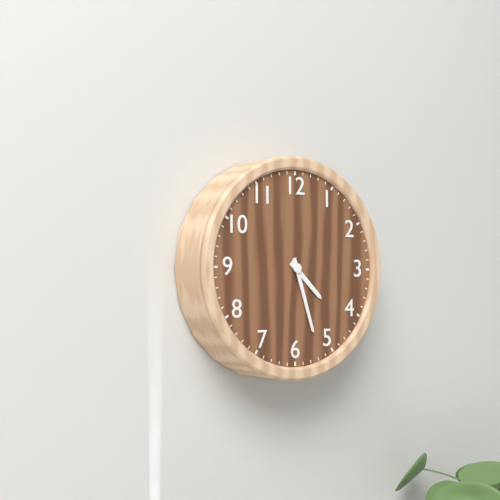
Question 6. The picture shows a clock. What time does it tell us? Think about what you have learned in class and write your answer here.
4:27
